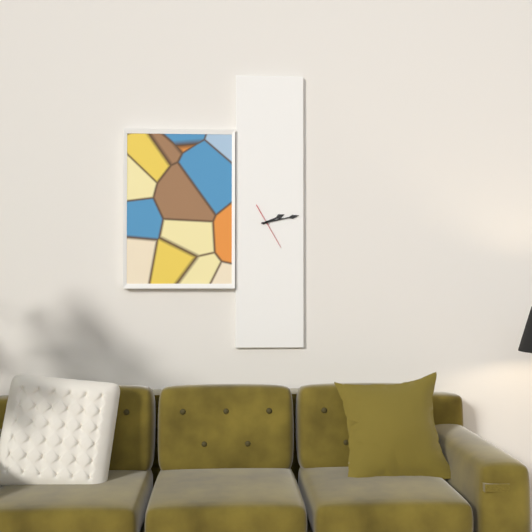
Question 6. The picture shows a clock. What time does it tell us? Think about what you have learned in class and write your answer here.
2:13
